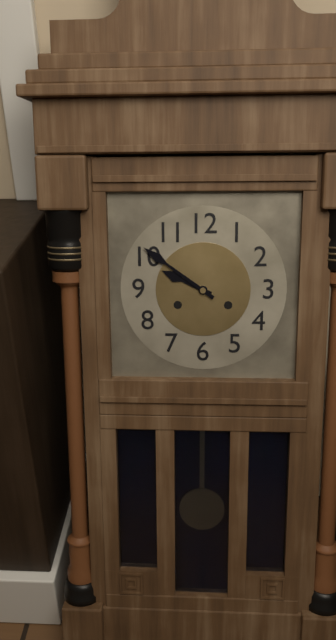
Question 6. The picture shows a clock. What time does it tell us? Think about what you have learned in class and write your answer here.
9:51
